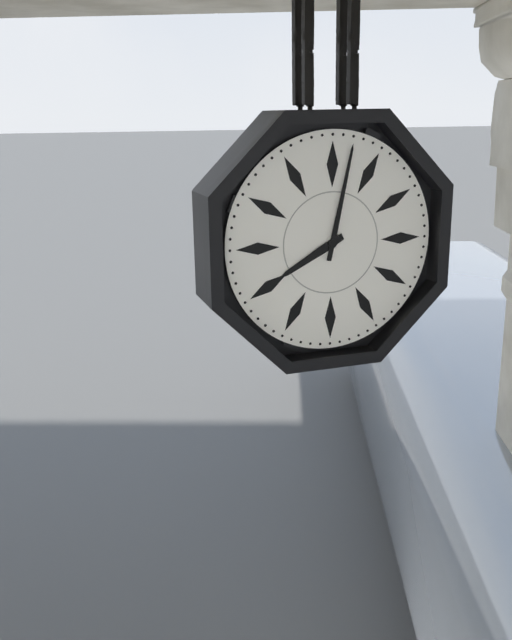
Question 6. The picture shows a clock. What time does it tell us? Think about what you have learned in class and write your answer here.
8:02
